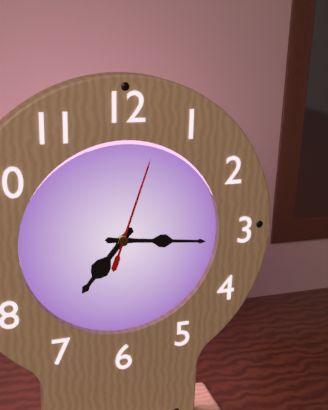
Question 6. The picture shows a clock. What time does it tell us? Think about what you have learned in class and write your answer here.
7:16:03
